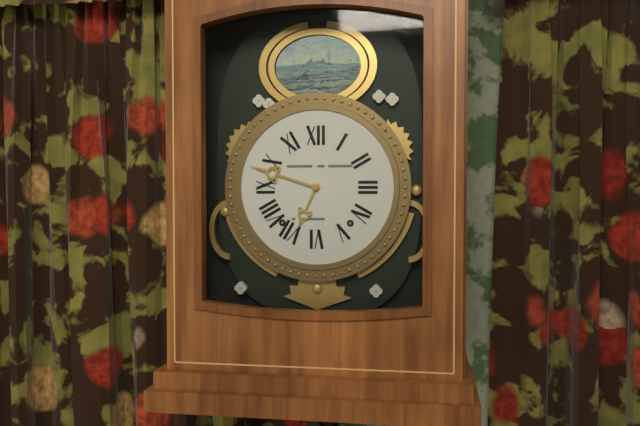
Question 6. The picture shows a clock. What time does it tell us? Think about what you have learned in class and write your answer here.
6:48
